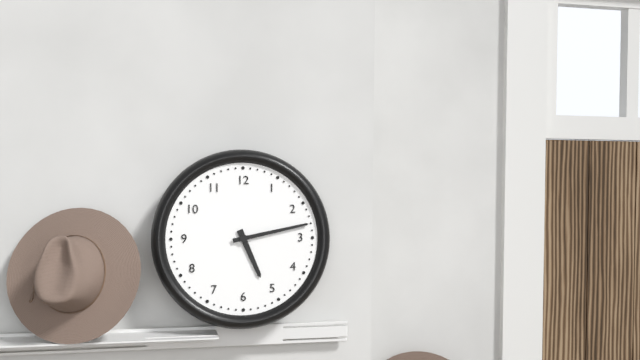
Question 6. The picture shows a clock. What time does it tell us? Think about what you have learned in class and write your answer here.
5:13
